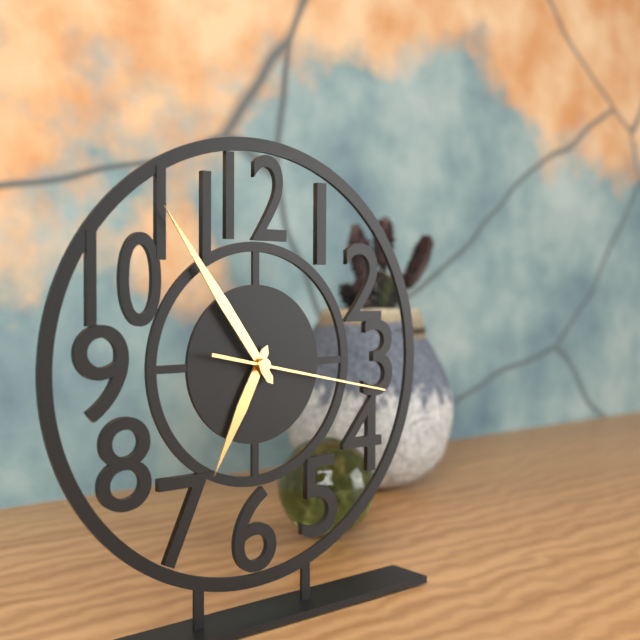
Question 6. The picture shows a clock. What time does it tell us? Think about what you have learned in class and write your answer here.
6:54:17
